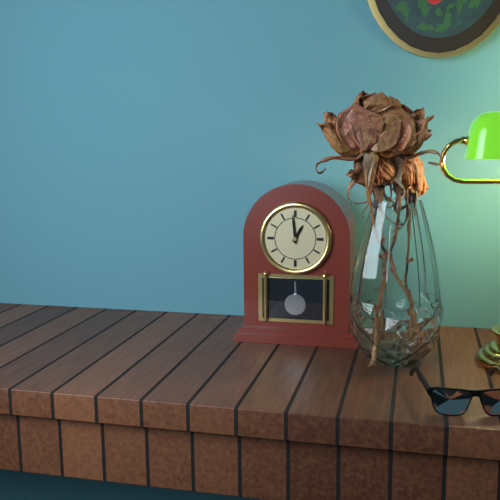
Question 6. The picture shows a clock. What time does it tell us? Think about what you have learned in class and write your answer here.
12:59
